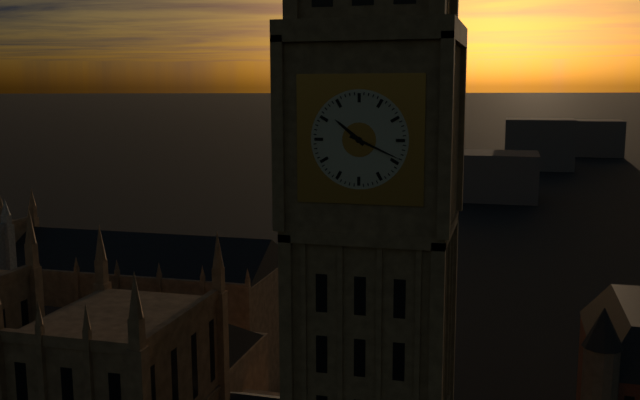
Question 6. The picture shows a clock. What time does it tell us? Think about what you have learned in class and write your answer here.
10:19
